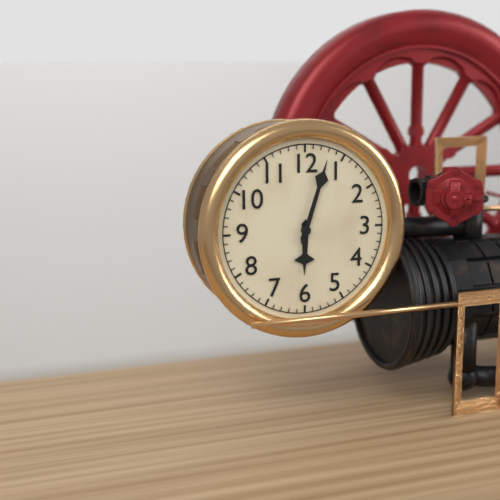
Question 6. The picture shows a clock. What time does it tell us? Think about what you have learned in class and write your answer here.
6:03
